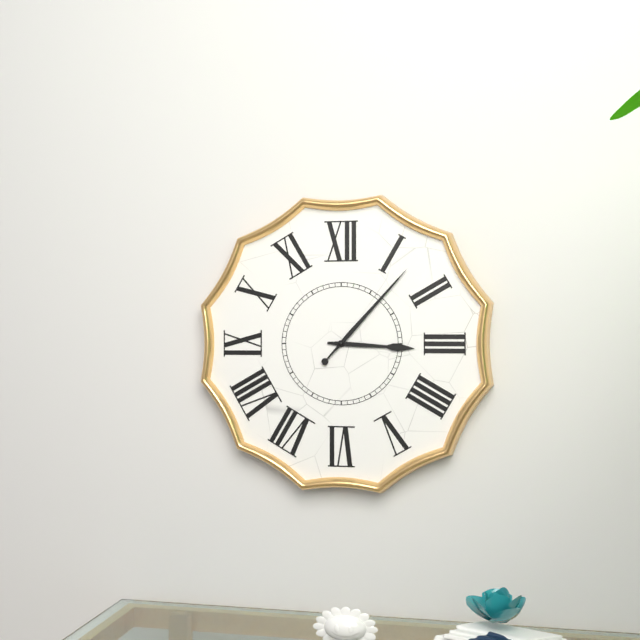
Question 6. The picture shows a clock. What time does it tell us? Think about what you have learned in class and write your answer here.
3:07
